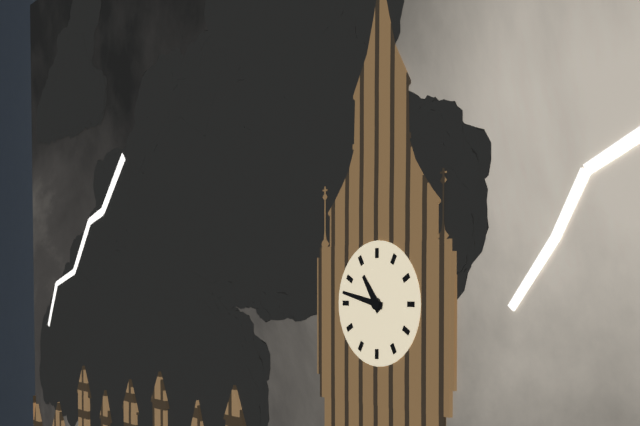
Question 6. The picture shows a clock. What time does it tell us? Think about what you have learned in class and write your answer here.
10:47
